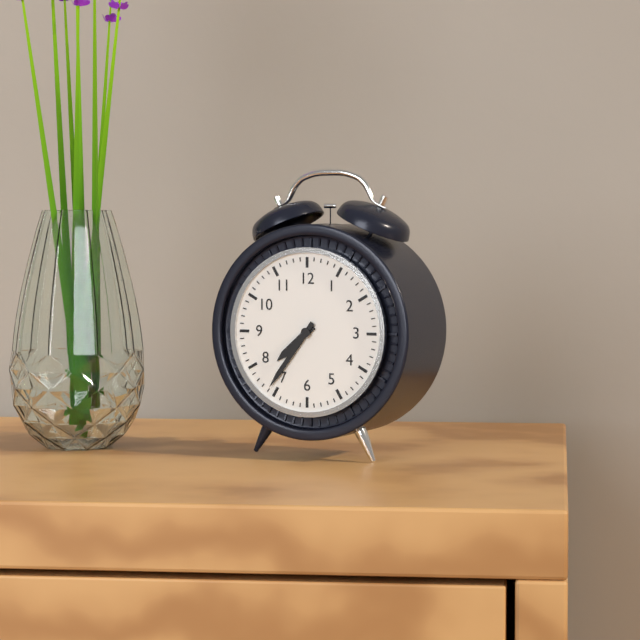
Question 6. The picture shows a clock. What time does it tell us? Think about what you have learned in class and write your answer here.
7:36
